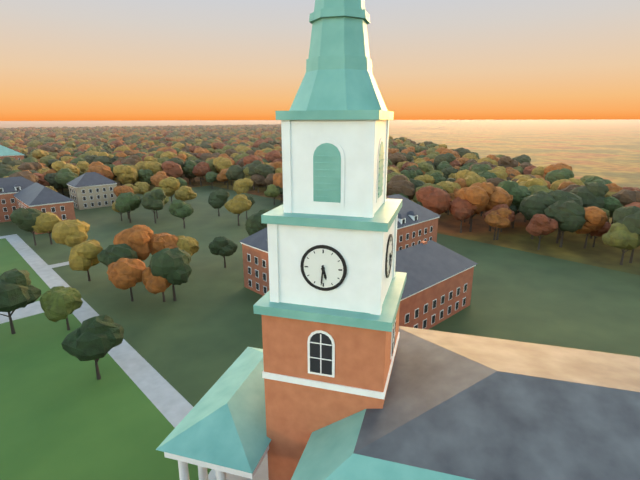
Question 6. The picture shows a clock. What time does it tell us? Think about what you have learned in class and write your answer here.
5:31
